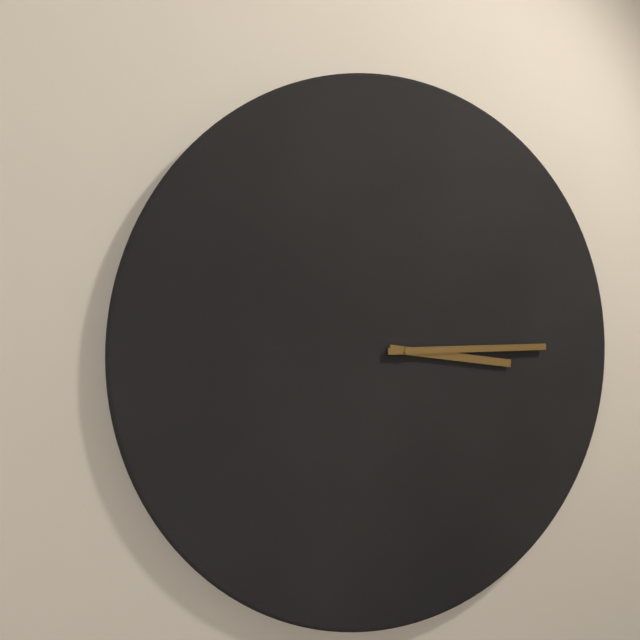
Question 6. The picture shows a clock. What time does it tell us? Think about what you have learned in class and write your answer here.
3:15
